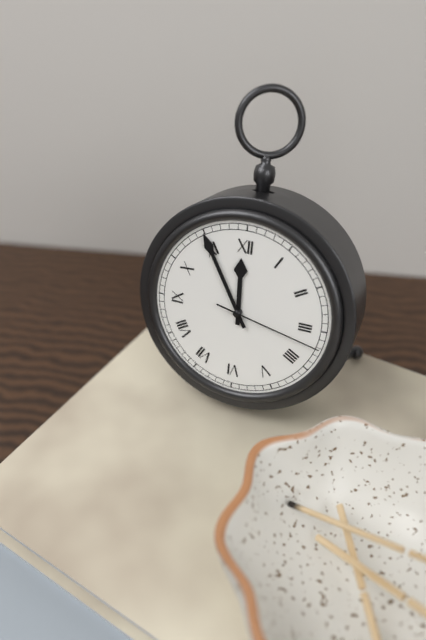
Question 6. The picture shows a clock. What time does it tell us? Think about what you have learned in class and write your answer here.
11:55:17
